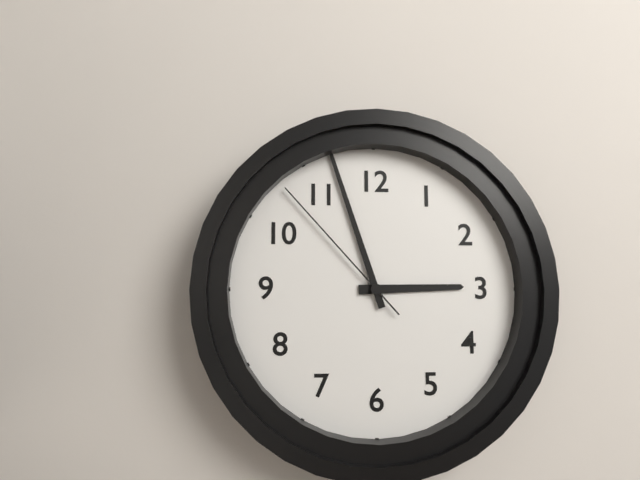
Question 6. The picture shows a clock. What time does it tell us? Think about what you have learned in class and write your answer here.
2:57:53
